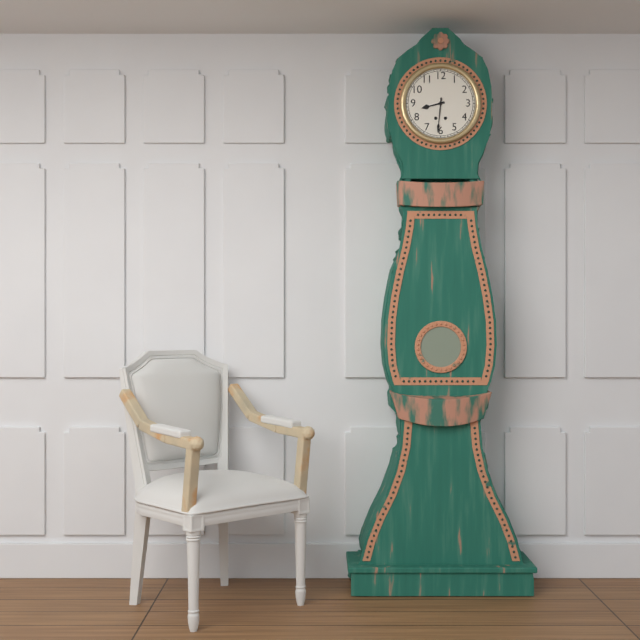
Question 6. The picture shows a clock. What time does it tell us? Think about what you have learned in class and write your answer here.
8:31
